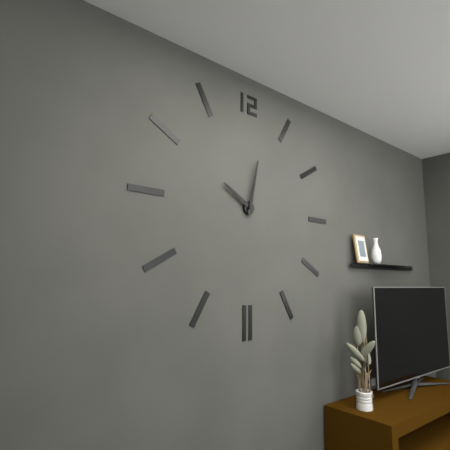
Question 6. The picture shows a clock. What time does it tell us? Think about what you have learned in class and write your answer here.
10:02
